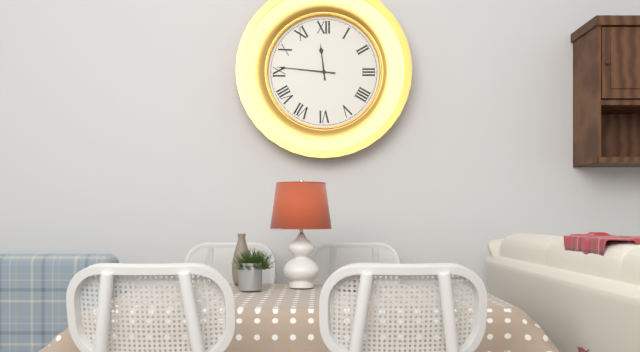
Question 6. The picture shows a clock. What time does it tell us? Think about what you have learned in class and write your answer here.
11:46
